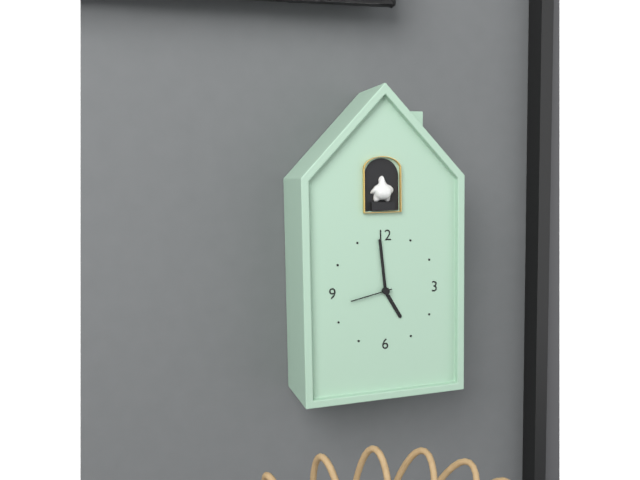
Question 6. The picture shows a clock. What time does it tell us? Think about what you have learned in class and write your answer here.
4:59
